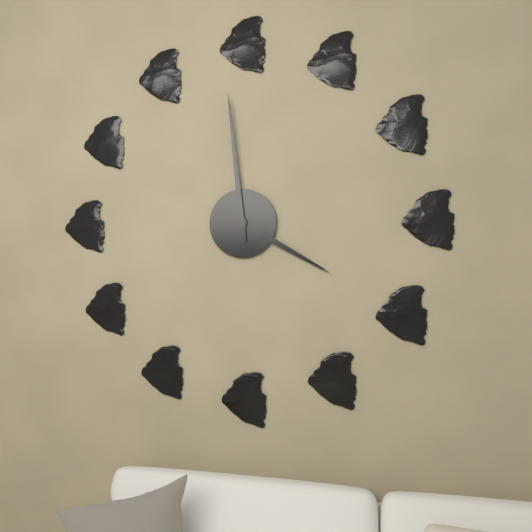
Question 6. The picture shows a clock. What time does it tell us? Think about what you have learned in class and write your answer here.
3:59
